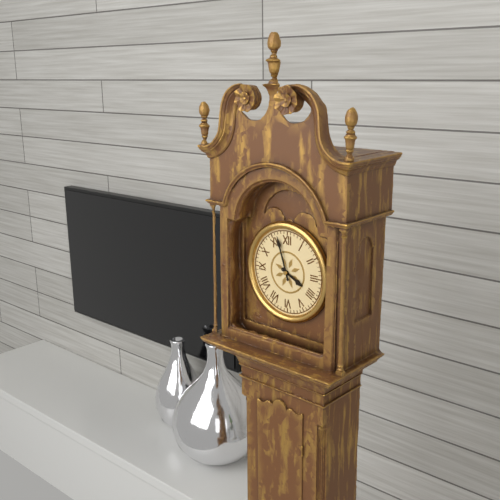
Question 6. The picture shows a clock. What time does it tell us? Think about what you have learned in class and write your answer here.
3:57
